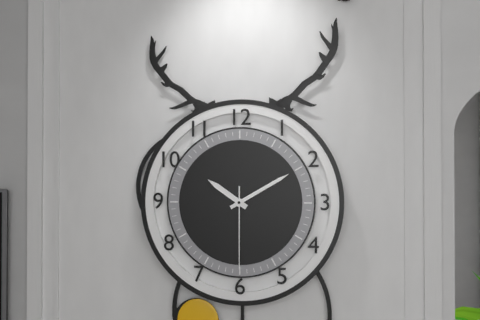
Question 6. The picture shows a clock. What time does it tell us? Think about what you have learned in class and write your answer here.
10:10:30
